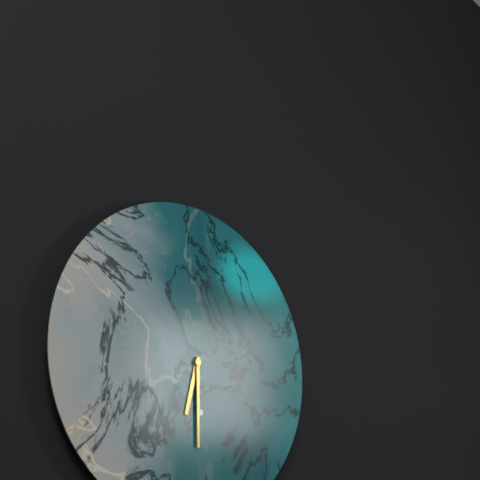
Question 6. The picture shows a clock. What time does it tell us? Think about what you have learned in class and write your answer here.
6:30
